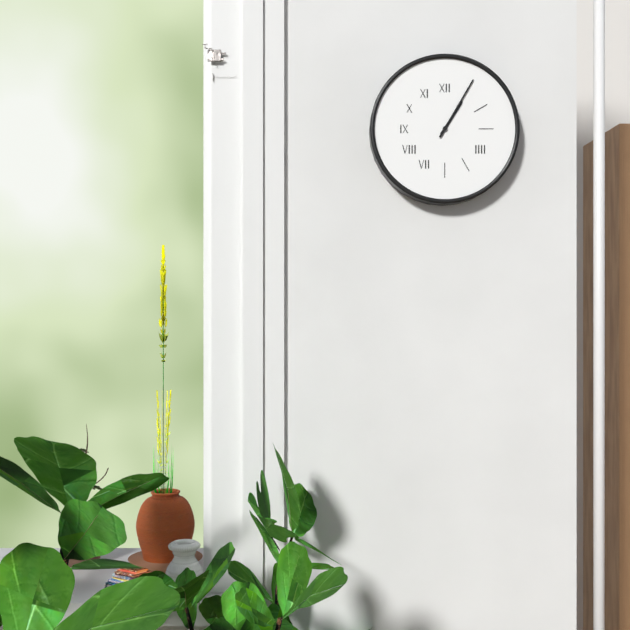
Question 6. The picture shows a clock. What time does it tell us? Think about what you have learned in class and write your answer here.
1:05
